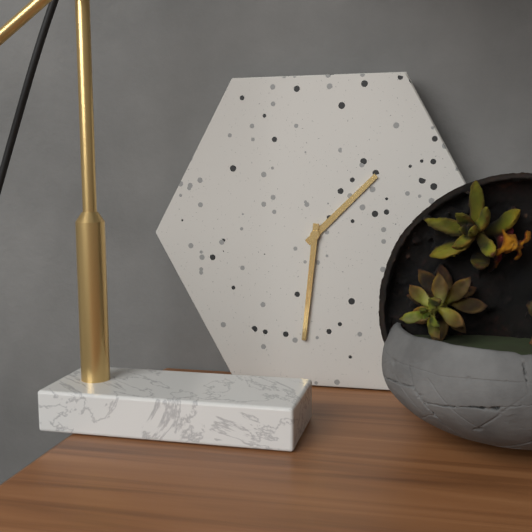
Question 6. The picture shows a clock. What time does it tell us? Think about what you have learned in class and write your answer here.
1:31
